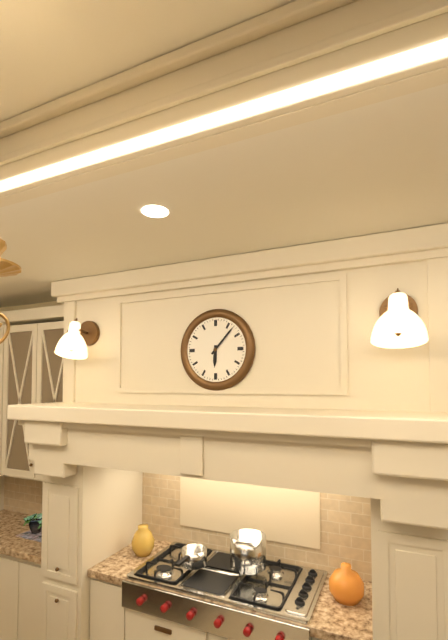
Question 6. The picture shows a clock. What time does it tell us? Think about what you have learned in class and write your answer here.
6:07
